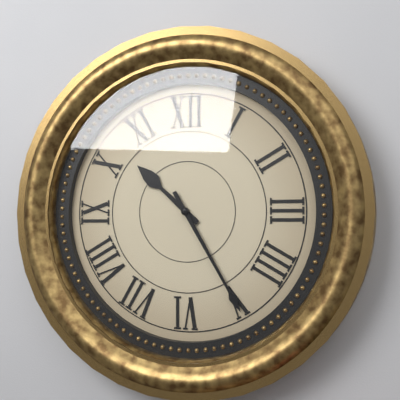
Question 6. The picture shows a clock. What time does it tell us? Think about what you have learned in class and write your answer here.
10:25
